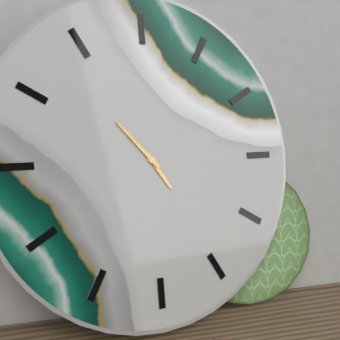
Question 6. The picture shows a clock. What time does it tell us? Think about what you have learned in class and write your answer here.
4:53
